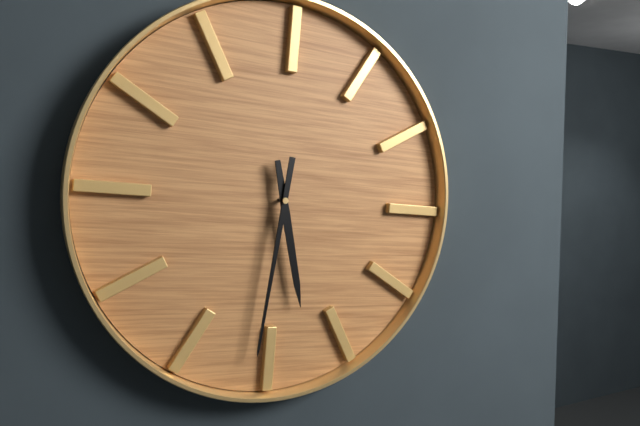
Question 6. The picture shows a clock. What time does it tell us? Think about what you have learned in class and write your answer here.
5:31
